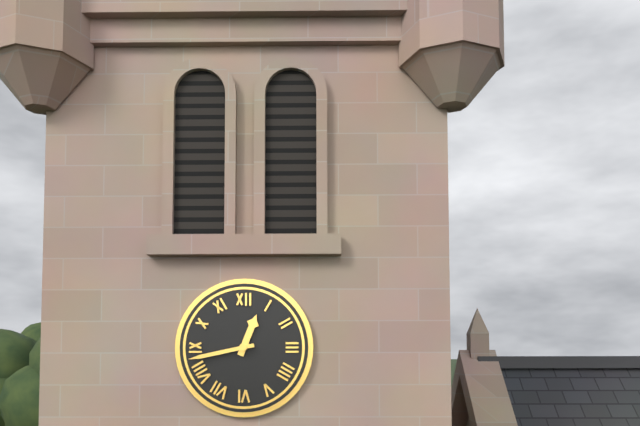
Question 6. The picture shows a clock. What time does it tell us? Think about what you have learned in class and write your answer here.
12:43
